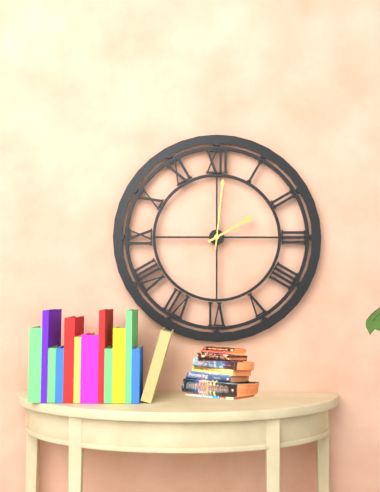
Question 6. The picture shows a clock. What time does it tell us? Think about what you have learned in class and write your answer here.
2:01
